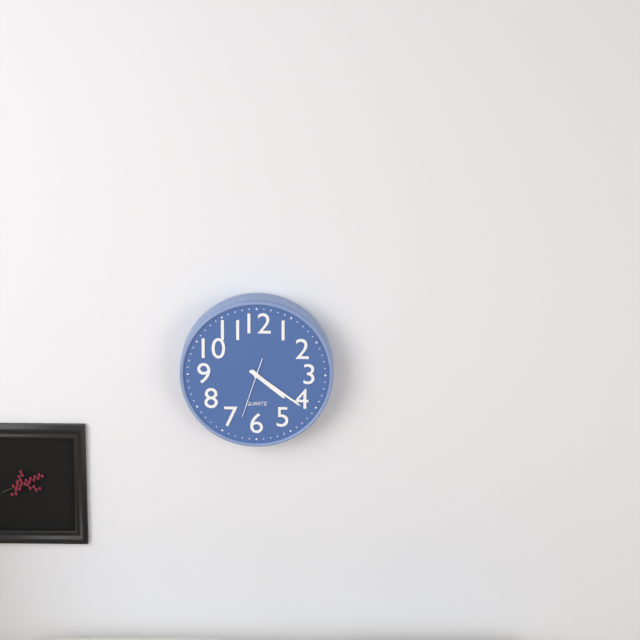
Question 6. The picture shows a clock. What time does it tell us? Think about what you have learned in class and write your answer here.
4:21:33
